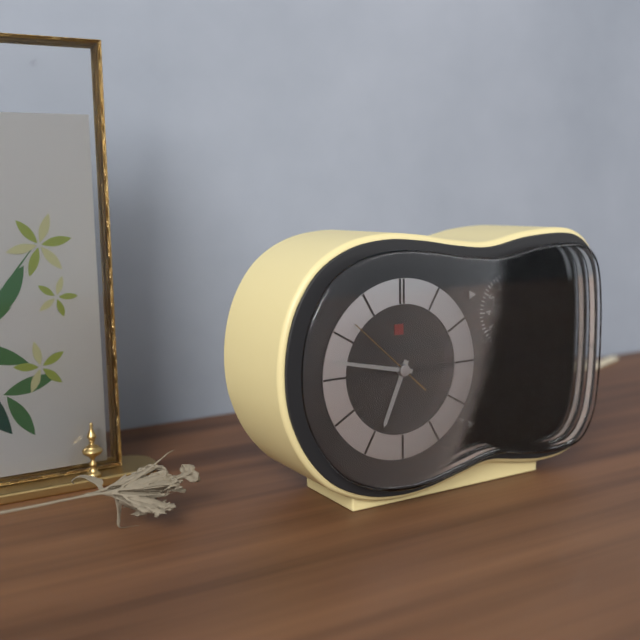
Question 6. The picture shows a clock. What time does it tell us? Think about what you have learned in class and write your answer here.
6:47:52
